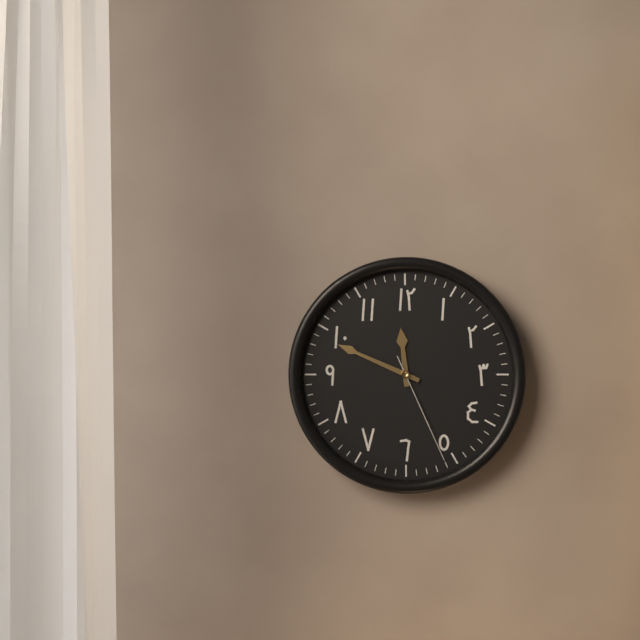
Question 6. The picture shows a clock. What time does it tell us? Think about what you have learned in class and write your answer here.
11:49:26
